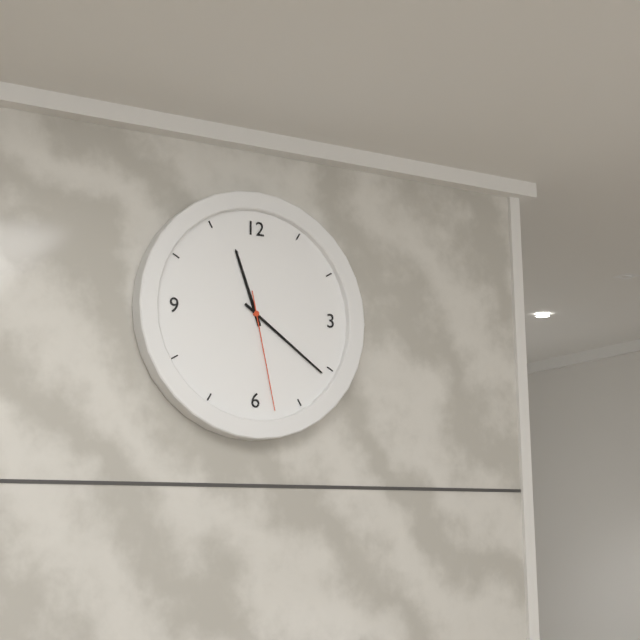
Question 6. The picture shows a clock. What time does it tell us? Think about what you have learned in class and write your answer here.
11:21:28
